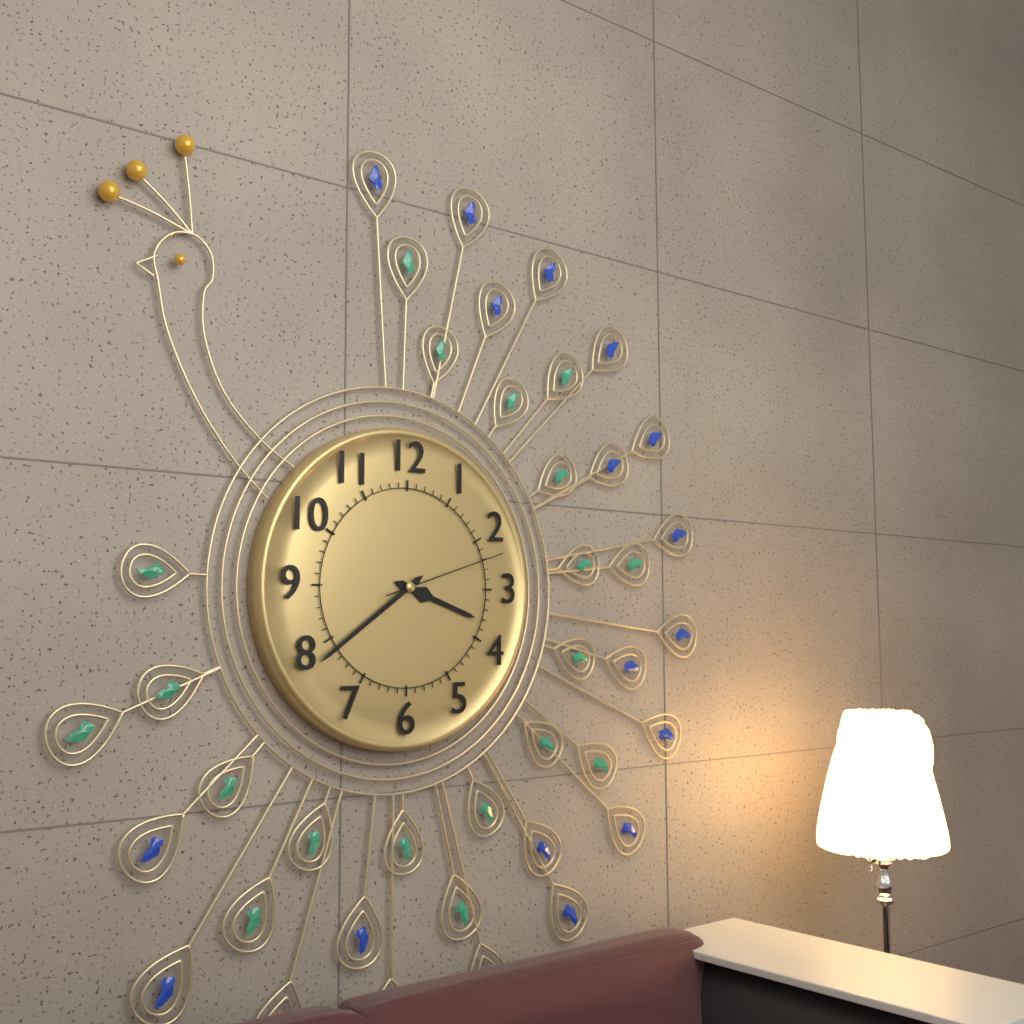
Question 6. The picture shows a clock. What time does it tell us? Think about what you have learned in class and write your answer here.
3:39:12
